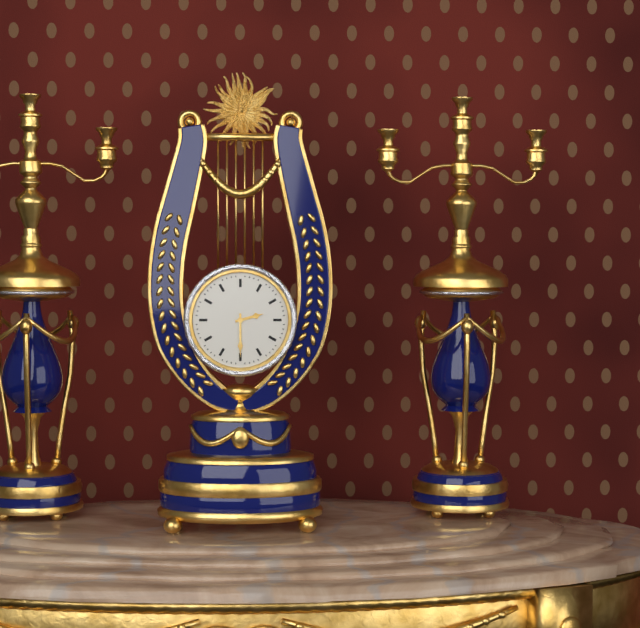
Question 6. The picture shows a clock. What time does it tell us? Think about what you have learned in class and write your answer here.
2:30
